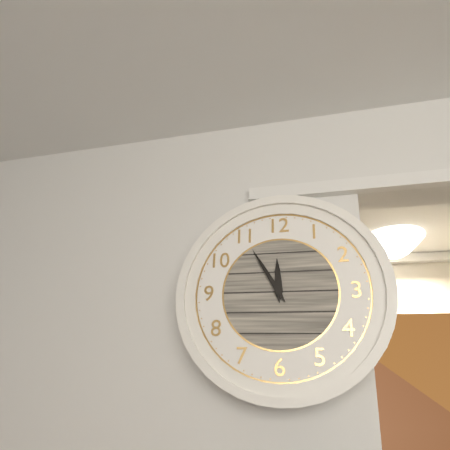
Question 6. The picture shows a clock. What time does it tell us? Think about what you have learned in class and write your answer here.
11:55
